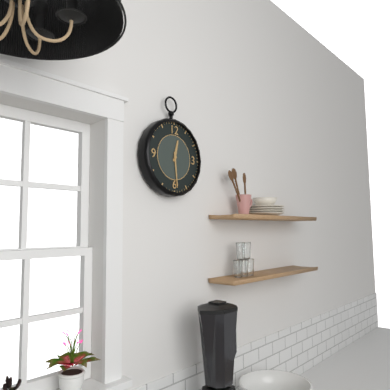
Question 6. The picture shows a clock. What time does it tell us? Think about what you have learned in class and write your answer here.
12:29
